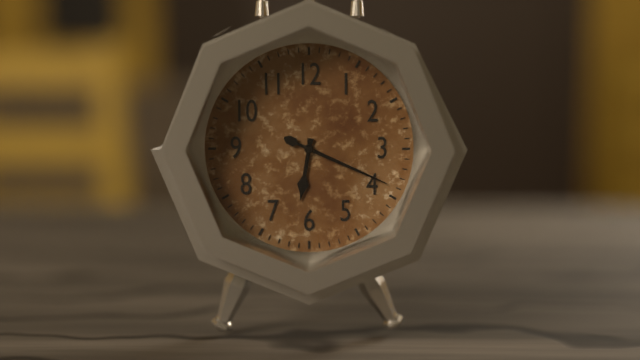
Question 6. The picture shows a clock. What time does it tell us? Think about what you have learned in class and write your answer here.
6:19
